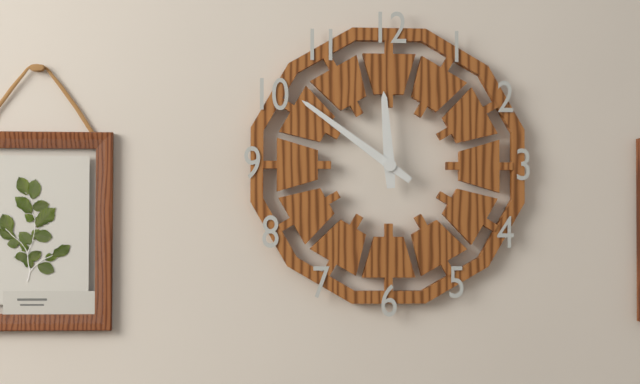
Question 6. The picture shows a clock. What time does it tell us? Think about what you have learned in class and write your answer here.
11:51
